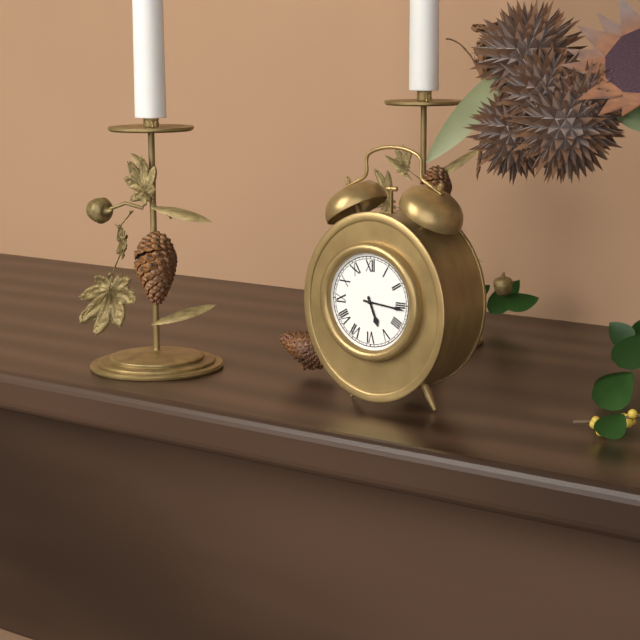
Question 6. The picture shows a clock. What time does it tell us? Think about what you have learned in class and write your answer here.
5:16
